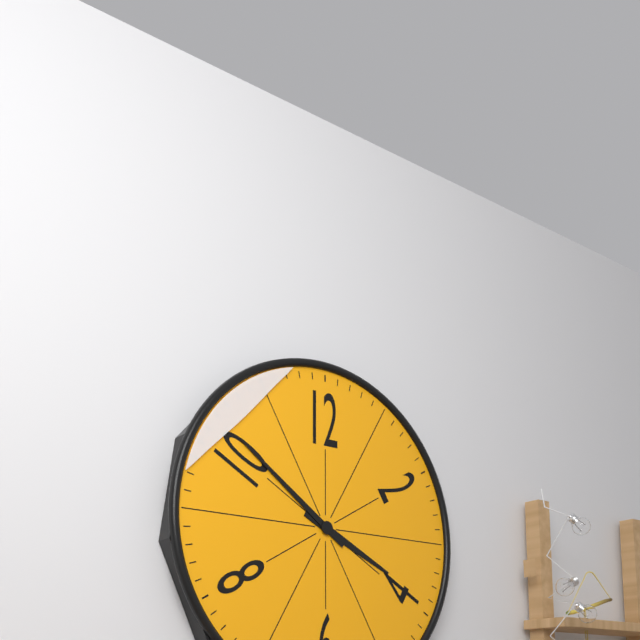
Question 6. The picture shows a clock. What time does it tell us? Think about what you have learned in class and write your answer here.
3:51
